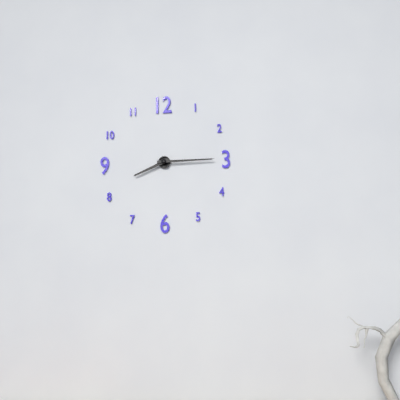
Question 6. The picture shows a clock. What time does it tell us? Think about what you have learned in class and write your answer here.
8:15
